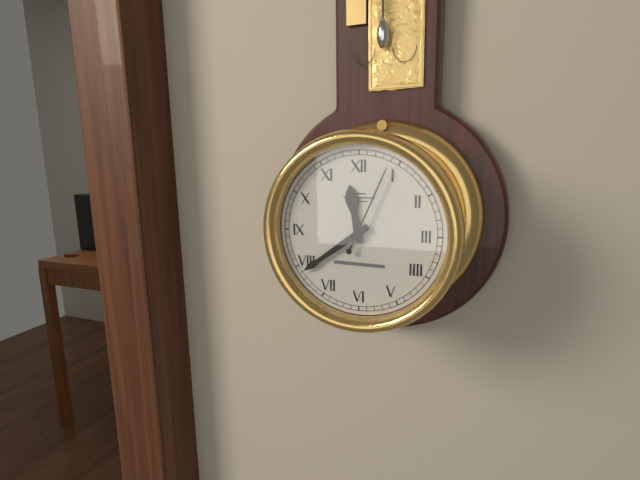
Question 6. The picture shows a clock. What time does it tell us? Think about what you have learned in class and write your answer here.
11:39:04
